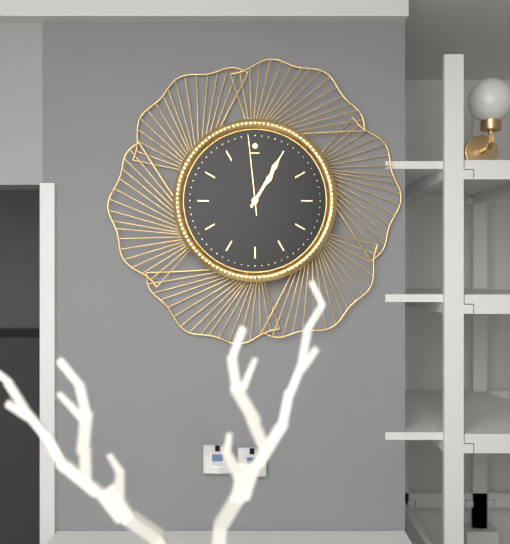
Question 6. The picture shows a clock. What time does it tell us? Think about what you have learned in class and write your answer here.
1:05:59
